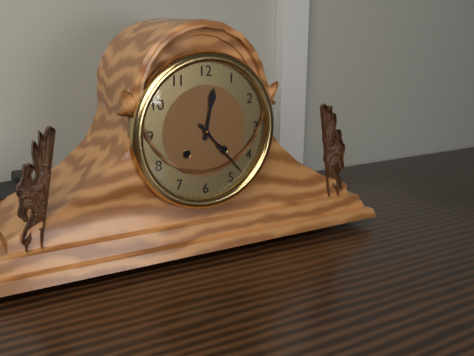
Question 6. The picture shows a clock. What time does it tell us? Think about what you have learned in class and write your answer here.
12:23
